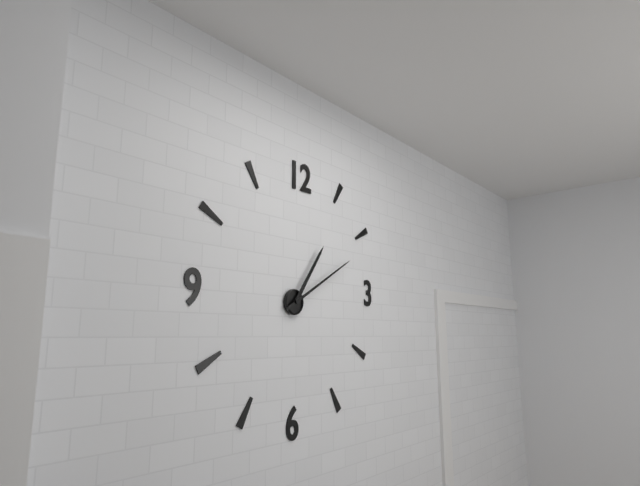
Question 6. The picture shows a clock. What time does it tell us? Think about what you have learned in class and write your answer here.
1:10
